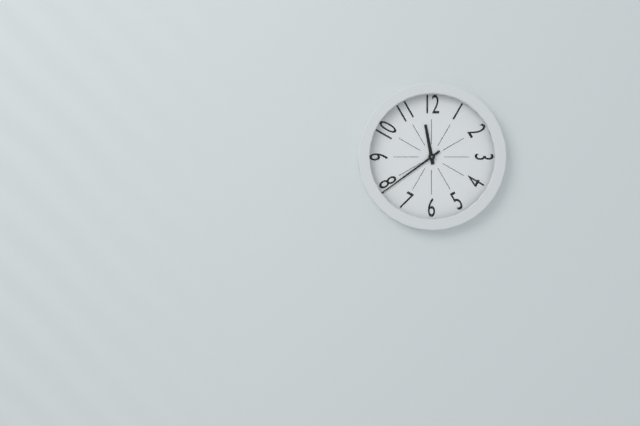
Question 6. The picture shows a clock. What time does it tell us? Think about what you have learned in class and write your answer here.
11:39
